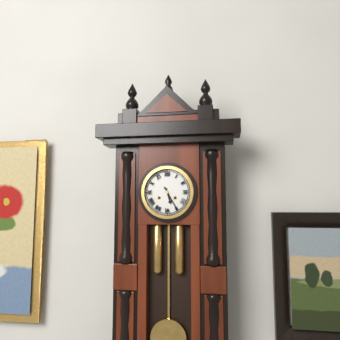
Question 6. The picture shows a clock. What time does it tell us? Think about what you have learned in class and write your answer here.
5:25
